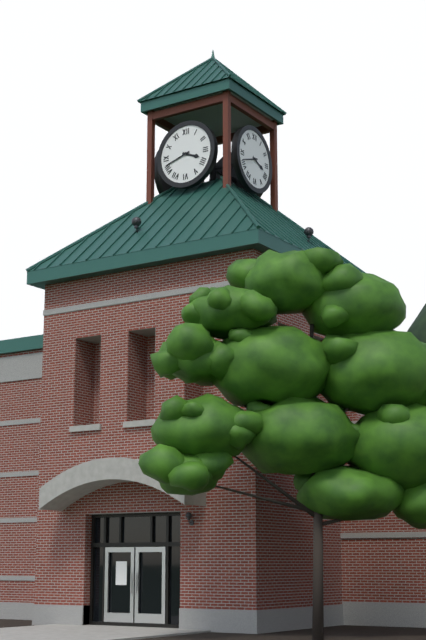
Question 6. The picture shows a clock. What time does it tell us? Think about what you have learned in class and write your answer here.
3:42
